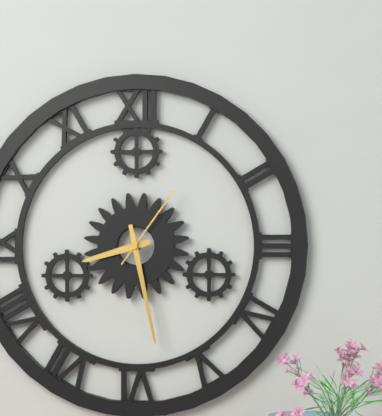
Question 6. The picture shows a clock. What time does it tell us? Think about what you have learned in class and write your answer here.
8:28:06
